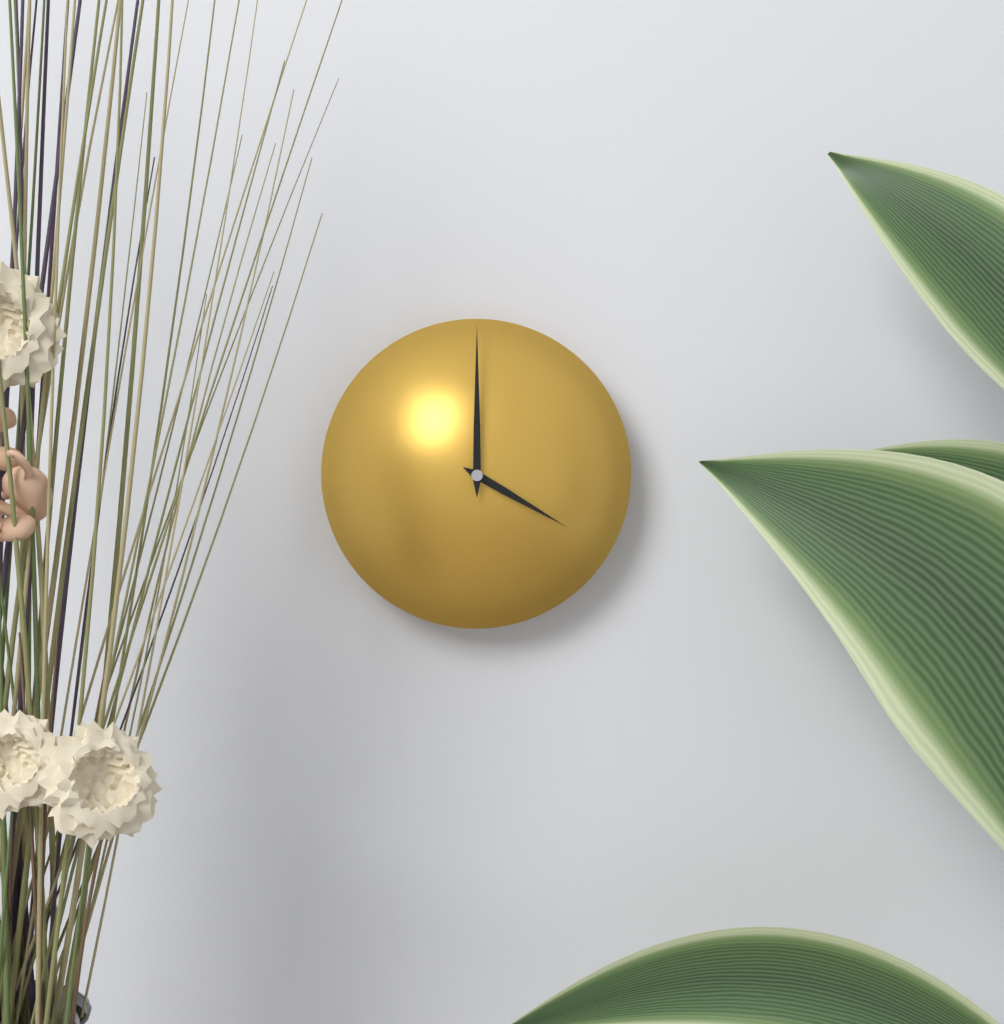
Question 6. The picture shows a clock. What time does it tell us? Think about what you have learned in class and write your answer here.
4:00
